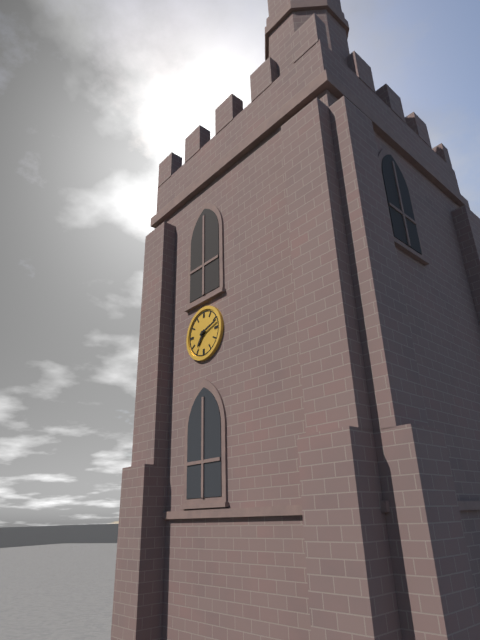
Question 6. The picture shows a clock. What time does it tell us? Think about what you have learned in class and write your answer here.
7:12
